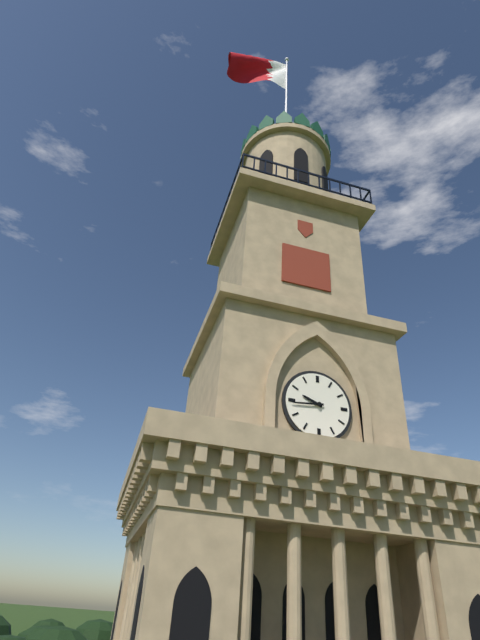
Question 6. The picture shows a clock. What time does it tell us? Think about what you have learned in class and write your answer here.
9:44
